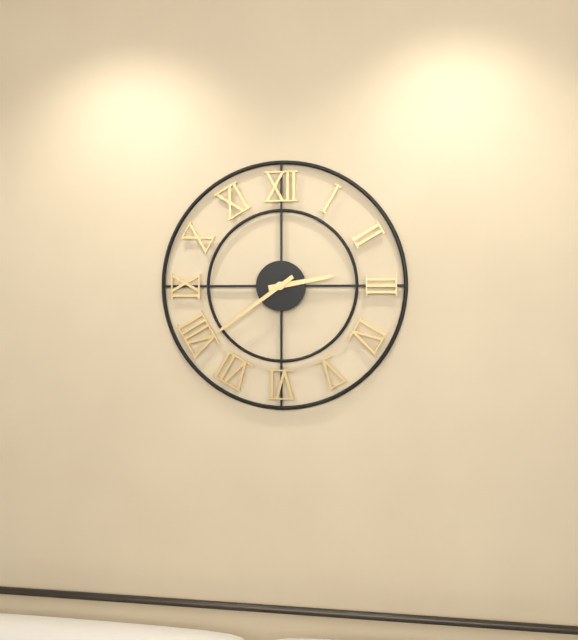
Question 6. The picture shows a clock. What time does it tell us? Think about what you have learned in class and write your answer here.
2:39
